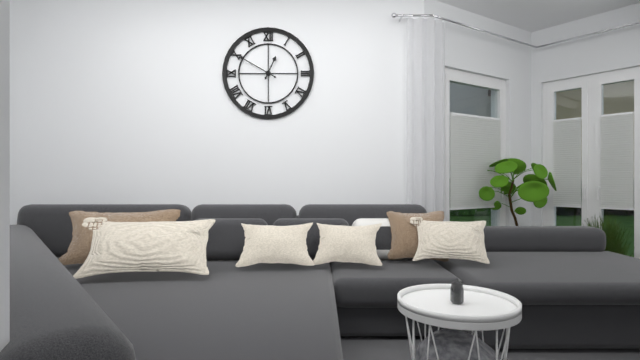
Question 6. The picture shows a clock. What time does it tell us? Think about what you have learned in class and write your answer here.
12:50
